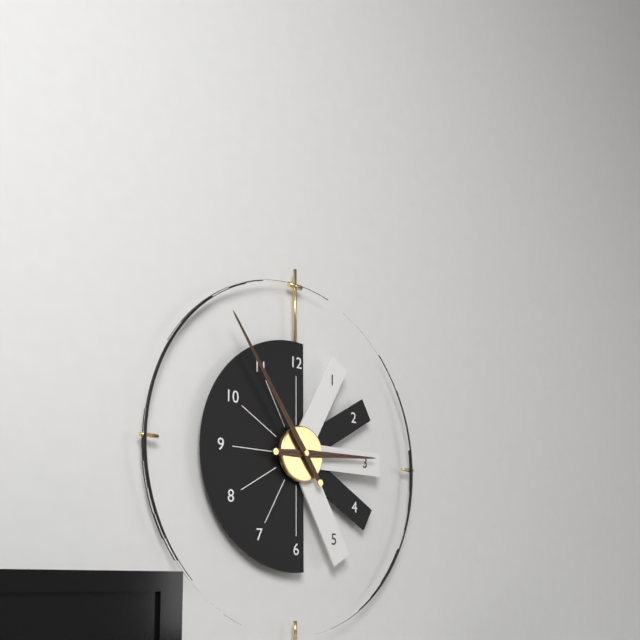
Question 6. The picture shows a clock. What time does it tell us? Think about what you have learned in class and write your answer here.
2:54
